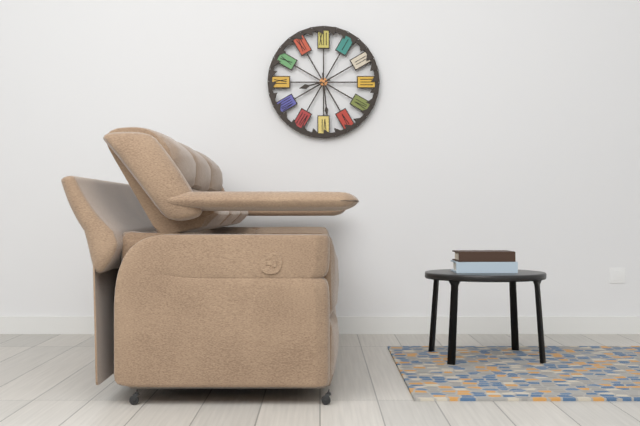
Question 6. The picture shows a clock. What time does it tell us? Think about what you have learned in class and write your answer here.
8:29
